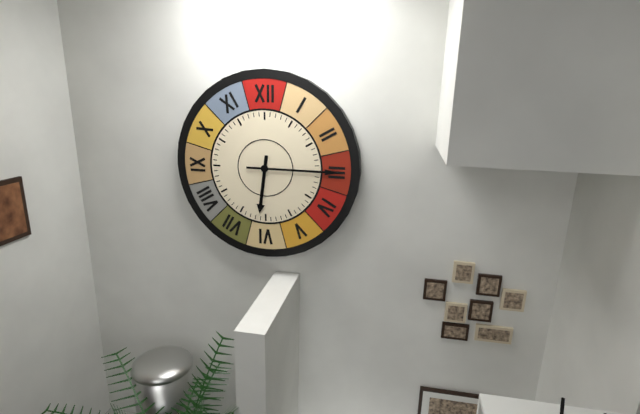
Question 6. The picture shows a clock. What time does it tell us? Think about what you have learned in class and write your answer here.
6:15
